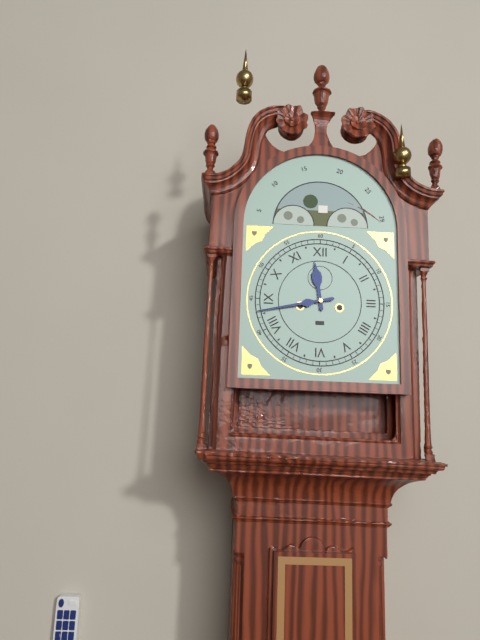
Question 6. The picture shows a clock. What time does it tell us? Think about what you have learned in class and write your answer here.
11:43
